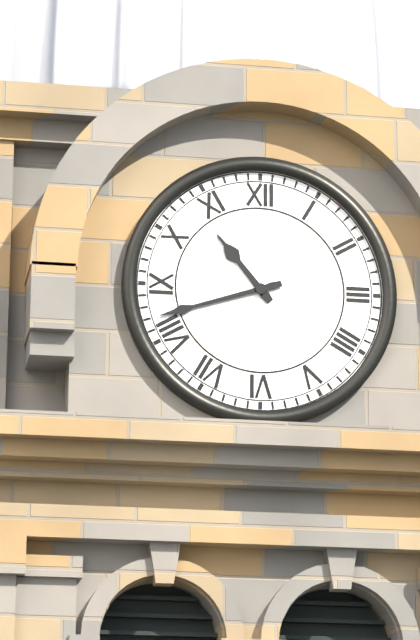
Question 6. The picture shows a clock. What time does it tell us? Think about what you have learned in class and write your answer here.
10:42
